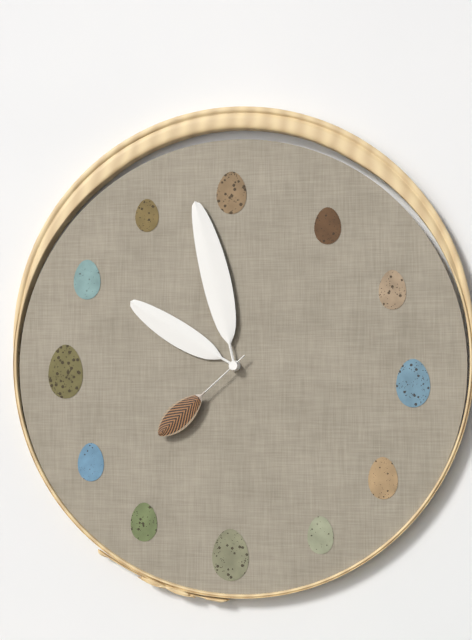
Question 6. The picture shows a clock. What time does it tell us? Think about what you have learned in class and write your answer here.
9:58:38
